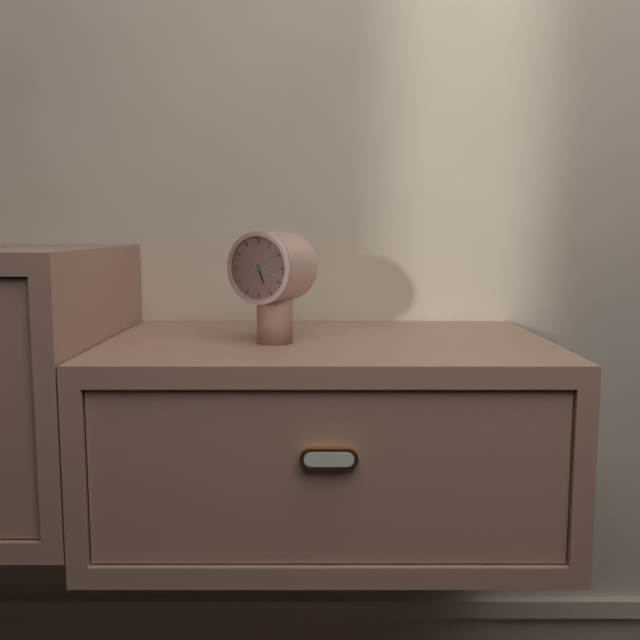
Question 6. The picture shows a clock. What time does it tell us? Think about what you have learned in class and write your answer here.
5:18
